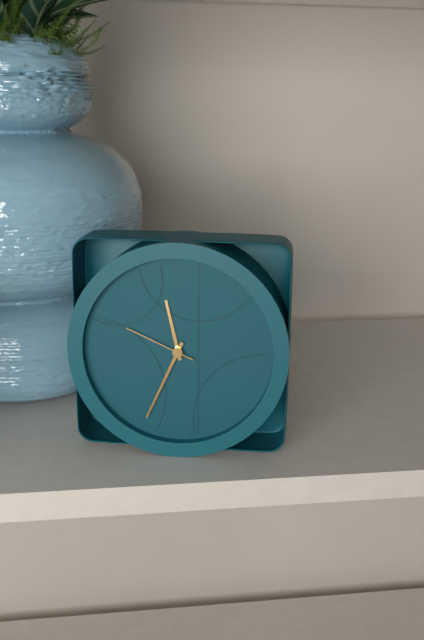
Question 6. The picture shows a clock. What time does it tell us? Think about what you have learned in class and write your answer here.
11:34:49
